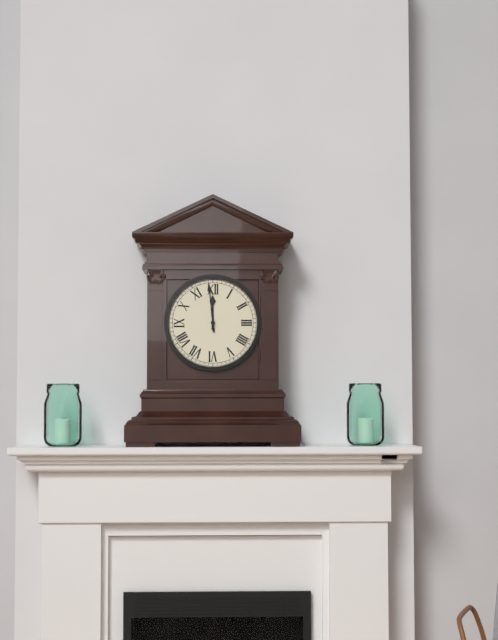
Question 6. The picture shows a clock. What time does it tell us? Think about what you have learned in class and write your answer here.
11:59
